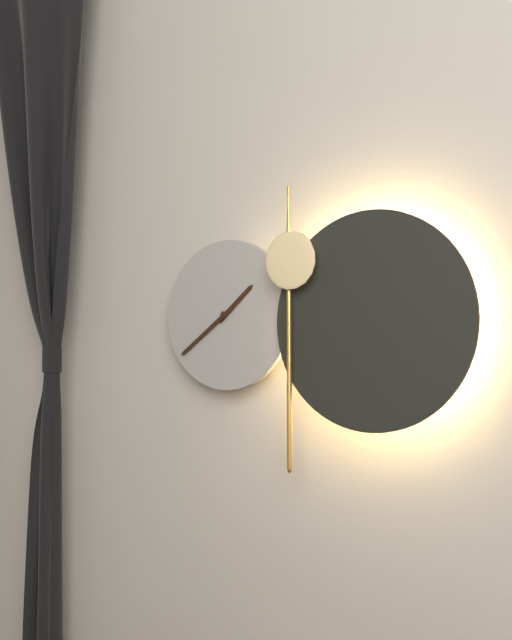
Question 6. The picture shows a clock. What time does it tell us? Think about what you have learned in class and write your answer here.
1:39
